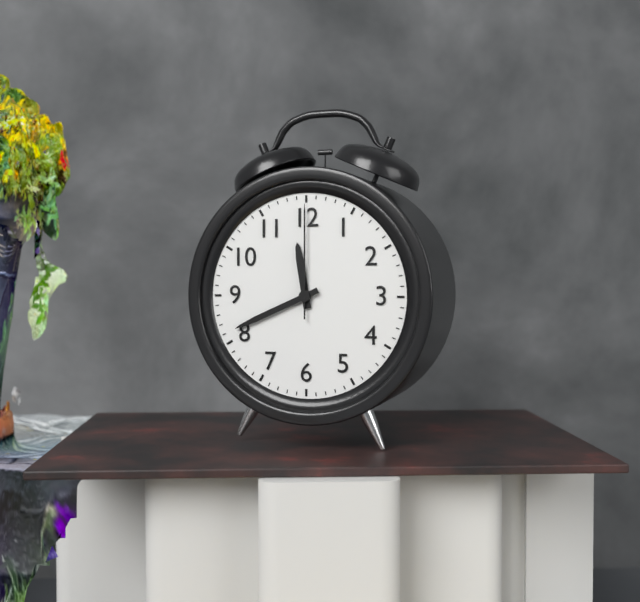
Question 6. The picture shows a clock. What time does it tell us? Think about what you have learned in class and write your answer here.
11:41:00
